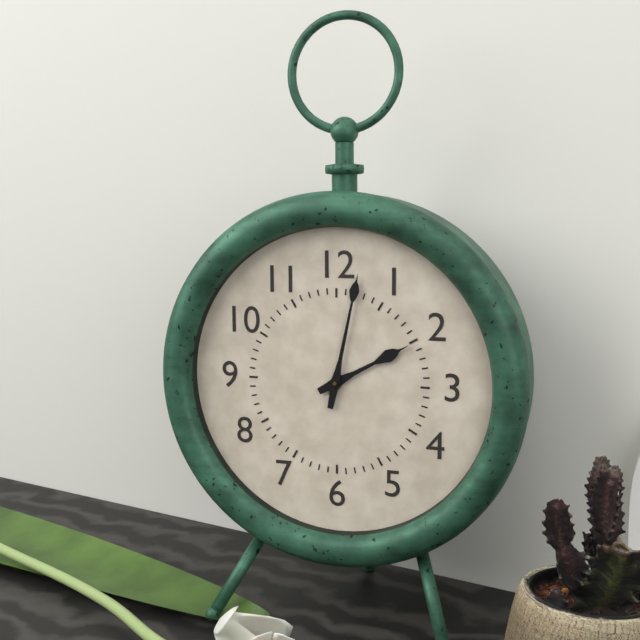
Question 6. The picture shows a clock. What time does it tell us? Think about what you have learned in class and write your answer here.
2:02
